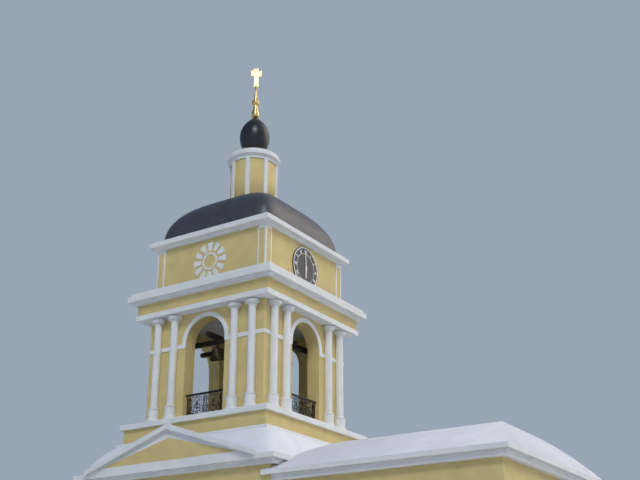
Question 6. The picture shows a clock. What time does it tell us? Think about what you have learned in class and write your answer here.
5:59
